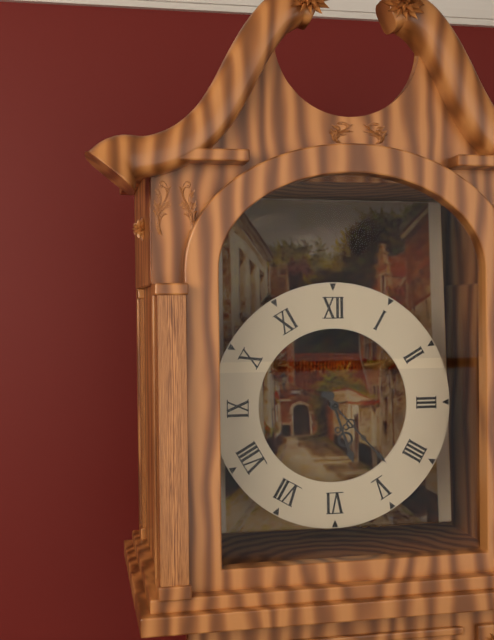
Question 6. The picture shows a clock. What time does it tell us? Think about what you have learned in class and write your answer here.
5:23
